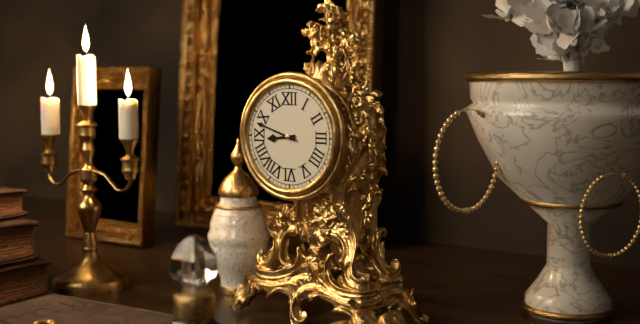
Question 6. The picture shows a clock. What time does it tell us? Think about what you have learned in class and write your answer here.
8:48
